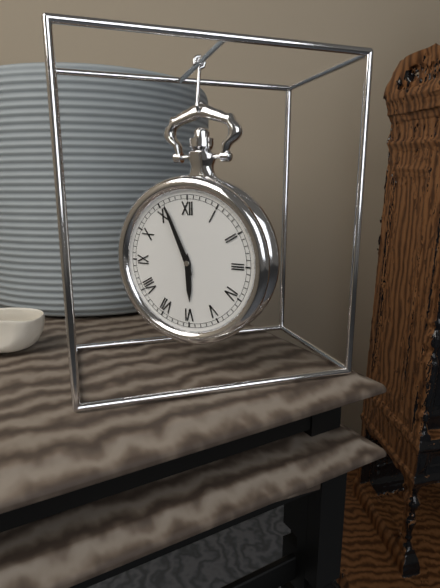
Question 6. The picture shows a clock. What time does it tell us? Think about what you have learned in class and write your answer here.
5:56
